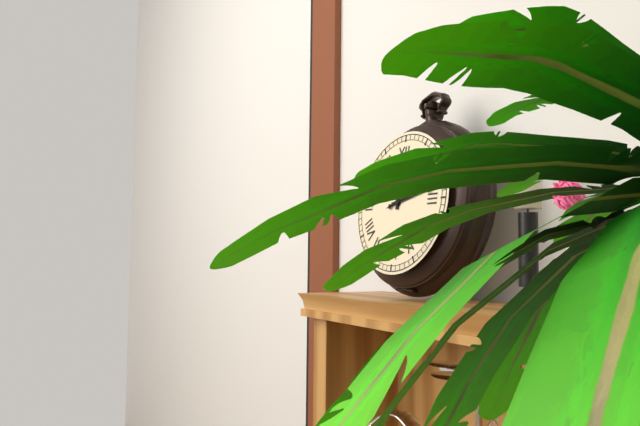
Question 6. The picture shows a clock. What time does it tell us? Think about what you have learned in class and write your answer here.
12:13:12
